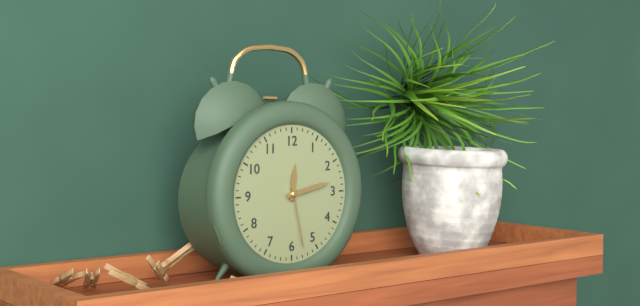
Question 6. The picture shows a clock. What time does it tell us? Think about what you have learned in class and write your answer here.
12:13:28
